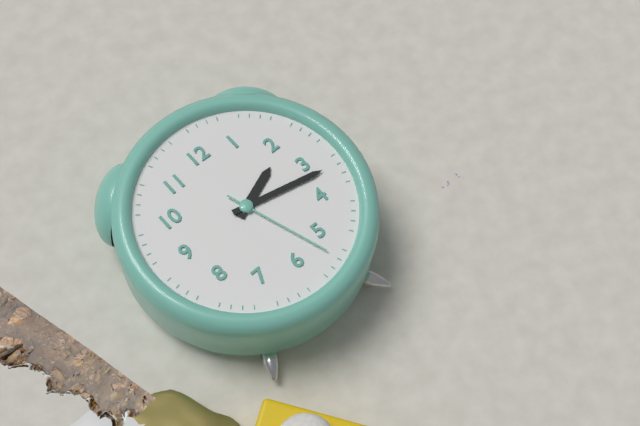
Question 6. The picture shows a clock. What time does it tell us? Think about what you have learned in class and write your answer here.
2:17:27
